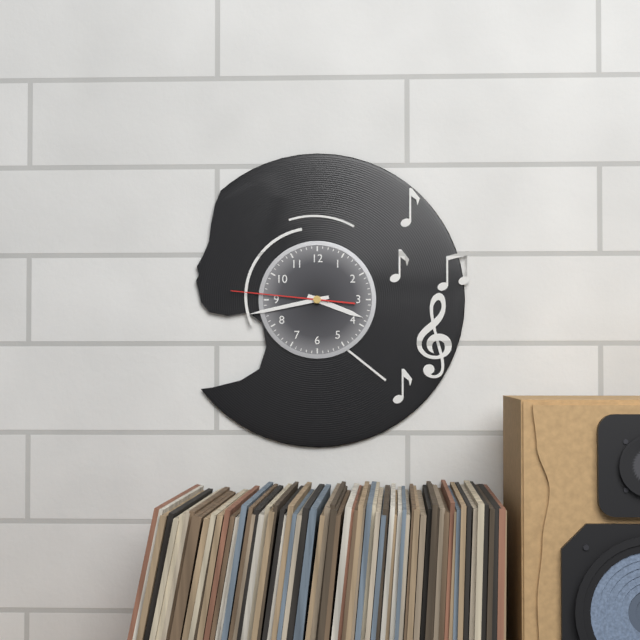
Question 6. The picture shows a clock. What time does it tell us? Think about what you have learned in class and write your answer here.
3:43:46
